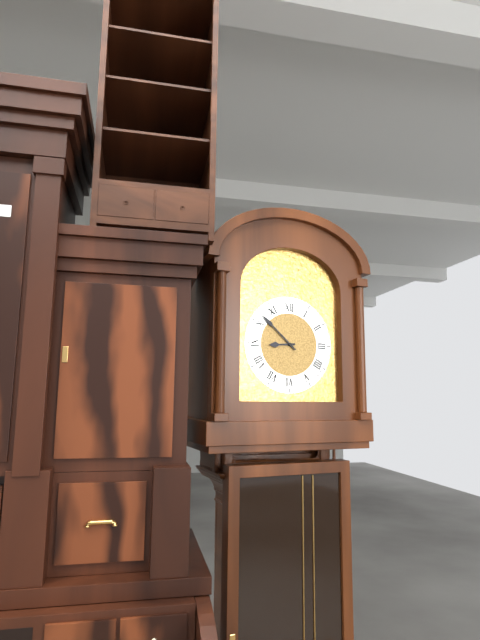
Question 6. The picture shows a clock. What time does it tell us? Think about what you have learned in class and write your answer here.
8:52
